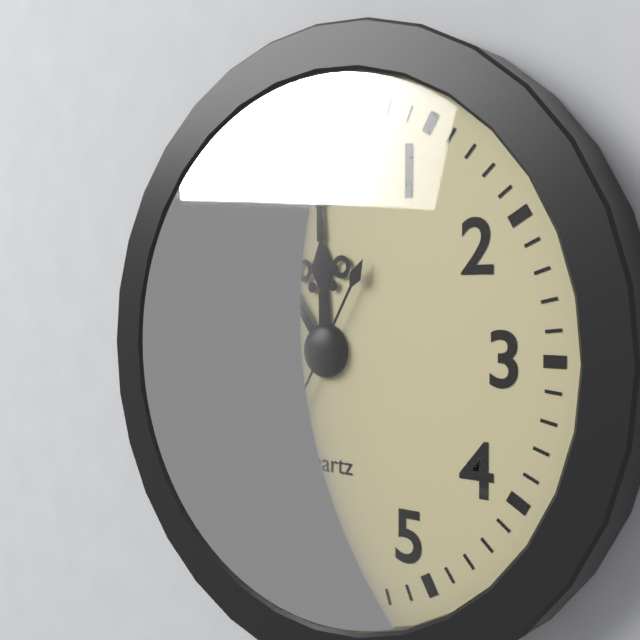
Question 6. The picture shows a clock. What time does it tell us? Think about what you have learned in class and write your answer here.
11:54:35
